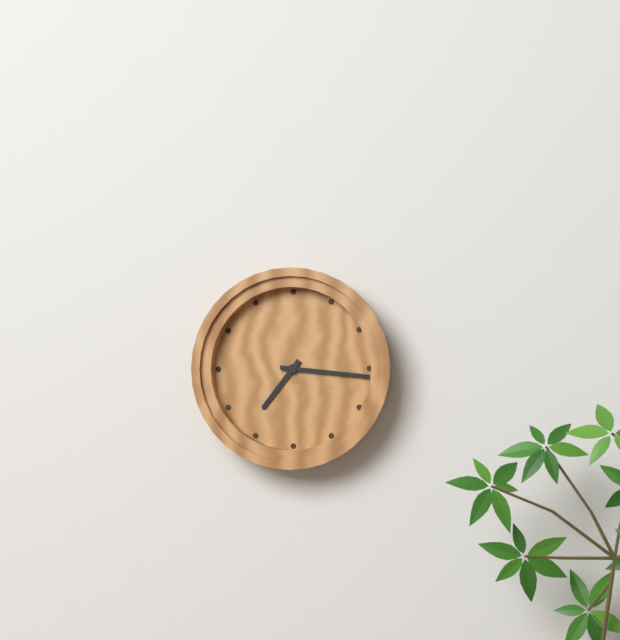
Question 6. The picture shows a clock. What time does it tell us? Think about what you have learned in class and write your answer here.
7:16
